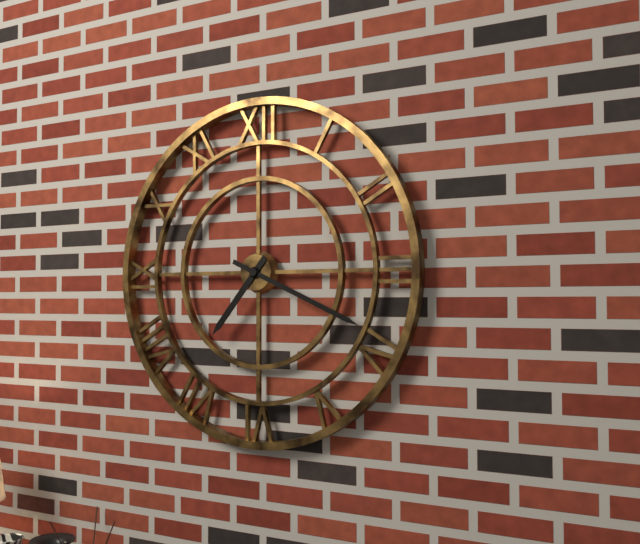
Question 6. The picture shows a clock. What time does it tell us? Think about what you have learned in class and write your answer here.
7:19
